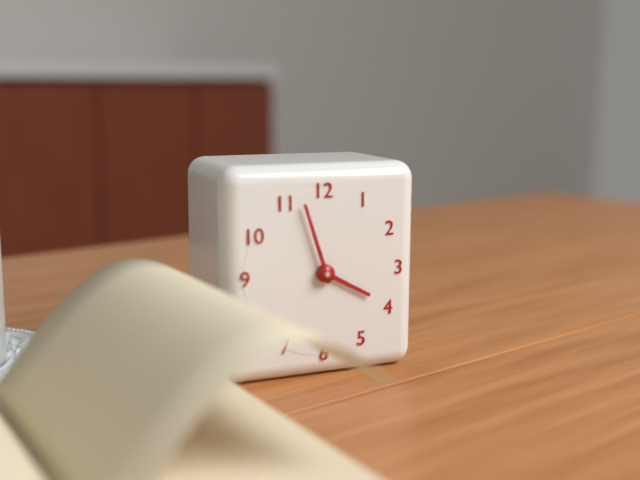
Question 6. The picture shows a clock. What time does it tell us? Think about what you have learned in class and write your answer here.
3:57
